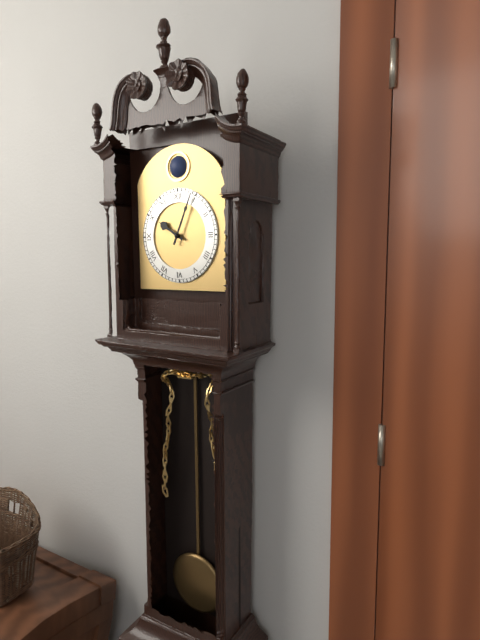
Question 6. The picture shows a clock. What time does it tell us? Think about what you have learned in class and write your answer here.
10:04
